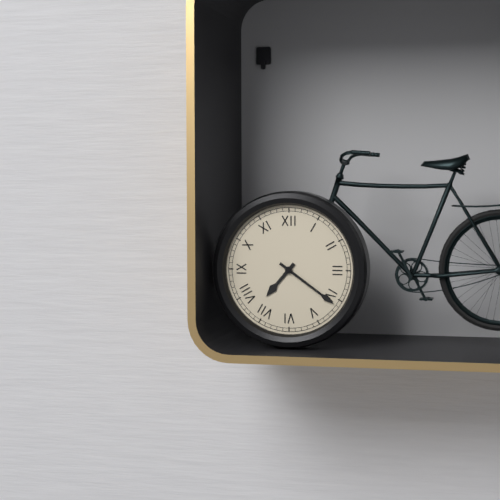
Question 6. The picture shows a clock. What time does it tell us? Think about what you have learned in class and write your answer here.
7:21
